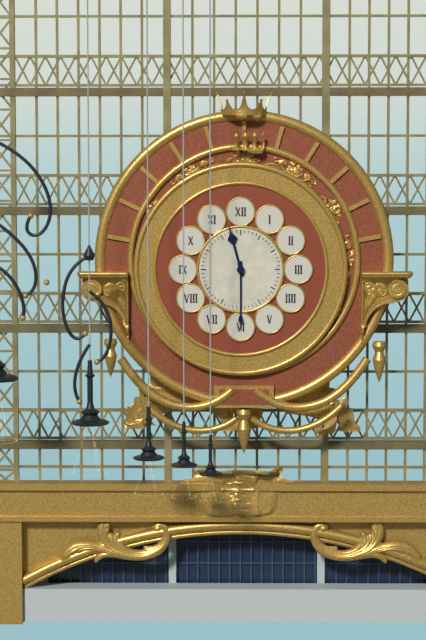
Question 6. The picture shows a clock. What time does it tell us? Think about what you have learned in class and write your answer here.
11:30
